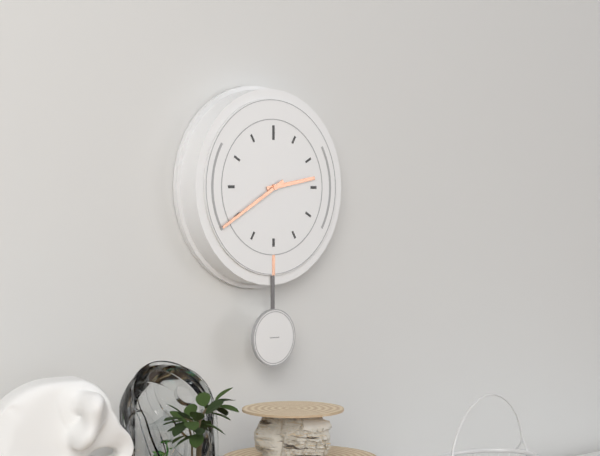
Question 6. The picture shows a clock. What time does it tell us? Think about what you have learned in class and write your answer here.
2:40
